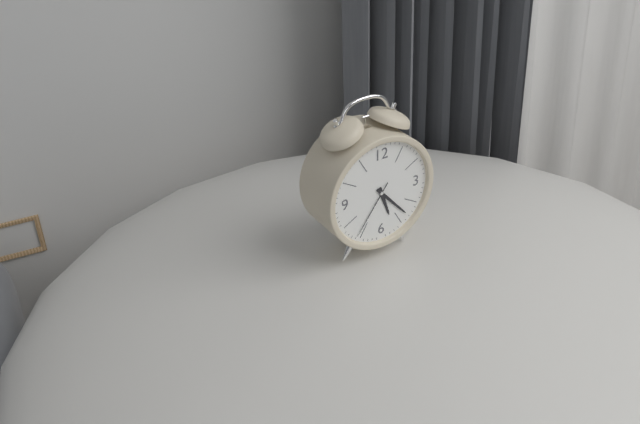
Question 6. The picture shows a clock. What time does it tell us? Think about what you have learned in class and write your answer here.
5:23:36
